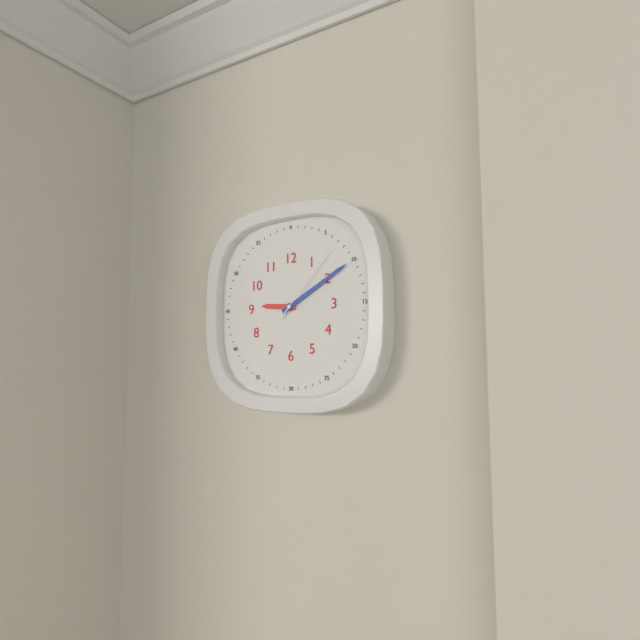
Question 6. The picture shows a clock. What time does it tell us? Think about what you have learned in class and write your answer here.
9:10:07
